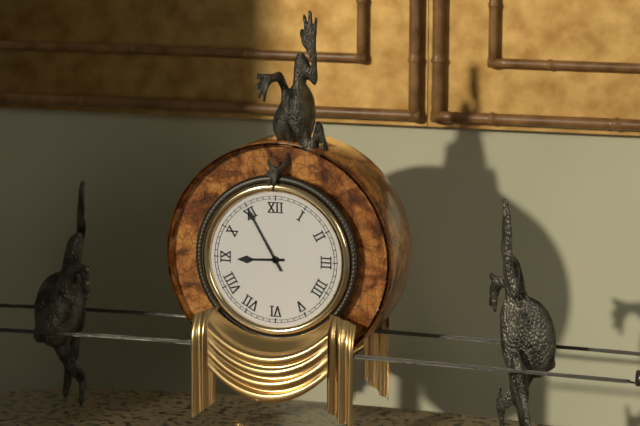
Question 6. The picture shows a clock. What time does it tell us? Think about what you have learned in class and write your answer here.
8:55
